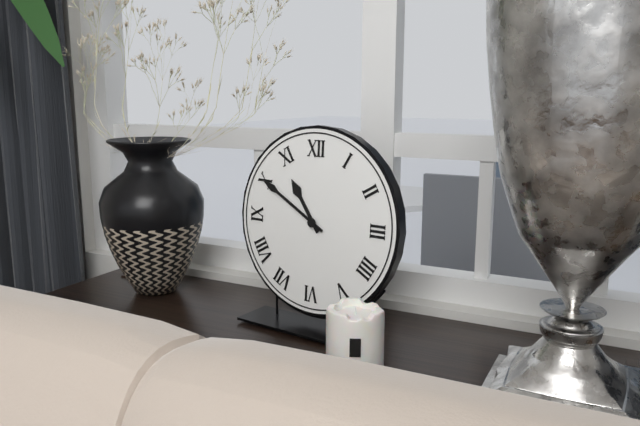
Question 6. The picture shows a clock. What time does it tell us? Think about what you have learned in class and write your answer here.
10:50
